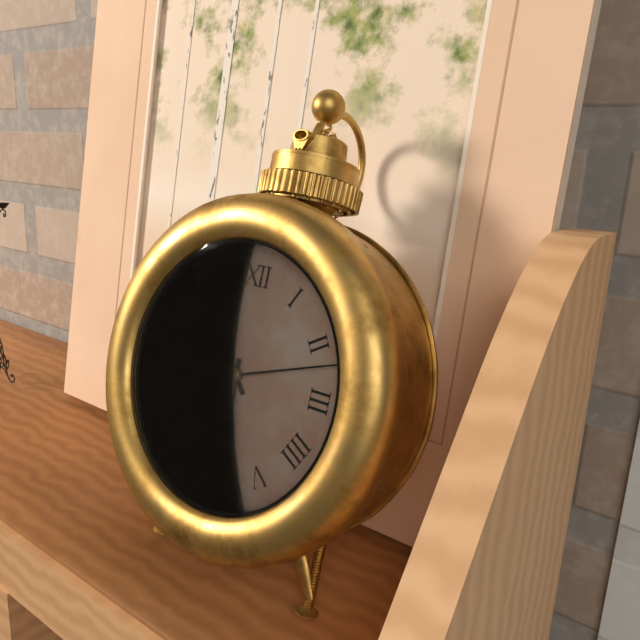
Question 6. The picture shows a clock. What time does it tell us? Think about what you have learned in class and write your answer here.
5:53:12
